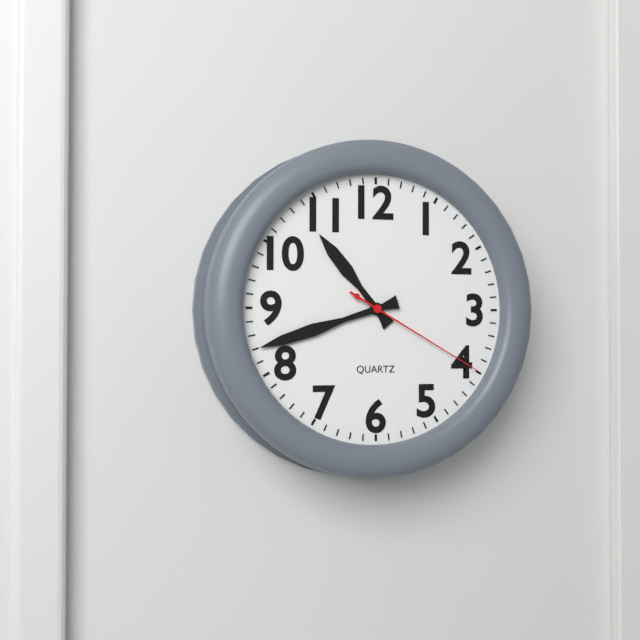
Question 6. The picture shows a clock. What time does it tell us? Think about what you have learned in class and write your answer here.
10:42:20
